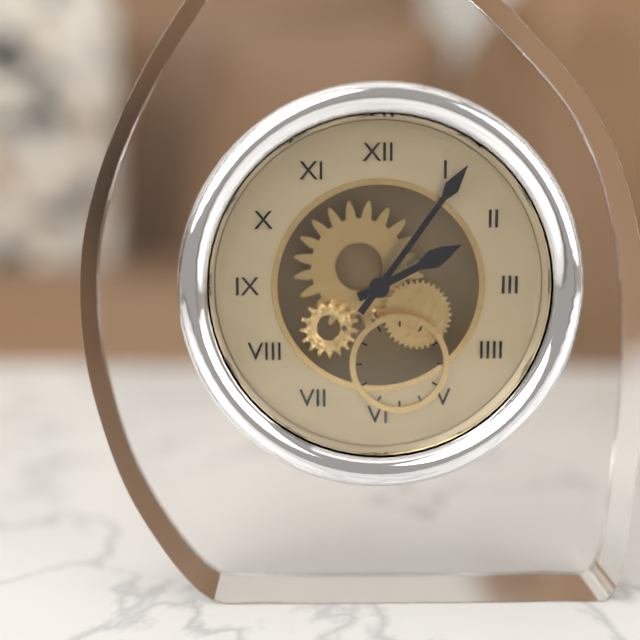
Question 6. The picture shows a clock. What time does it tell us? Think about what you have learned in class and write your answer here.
2:06
